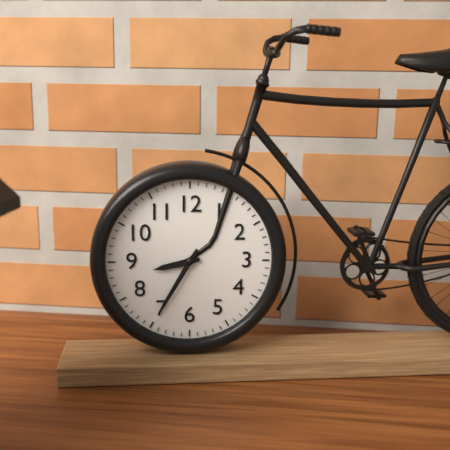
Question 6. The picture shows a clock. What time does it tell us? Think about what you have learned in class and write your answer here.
8:35
